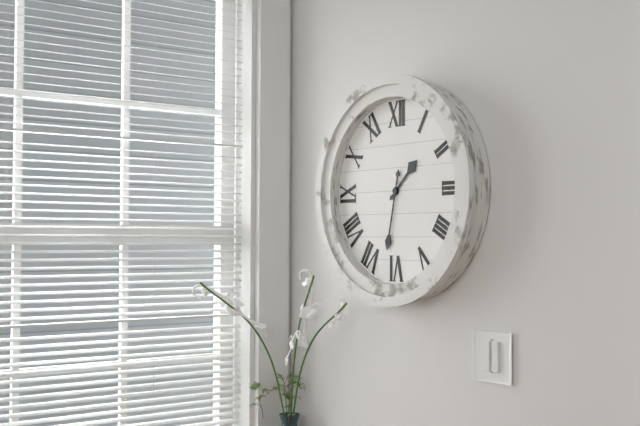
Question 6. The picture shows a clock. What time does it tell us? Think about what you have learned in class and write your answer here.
1:32
